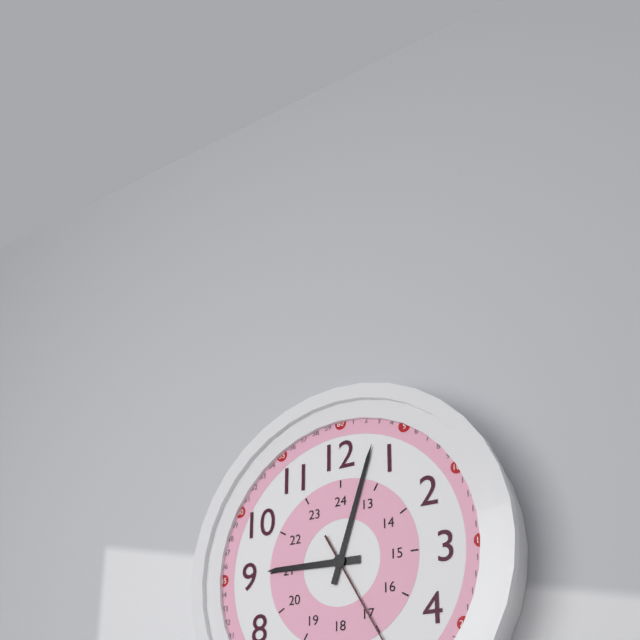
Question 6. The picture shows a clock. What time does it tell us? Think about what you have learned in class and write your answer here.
9:03
